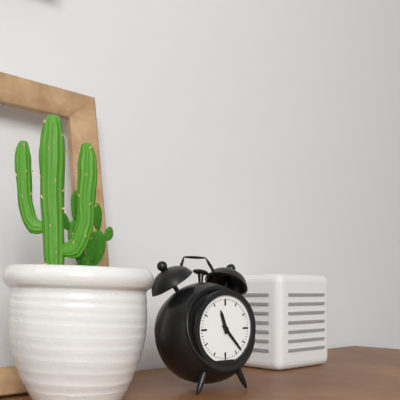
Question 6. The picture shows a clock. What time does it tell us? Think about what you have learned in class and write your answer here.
11:23
